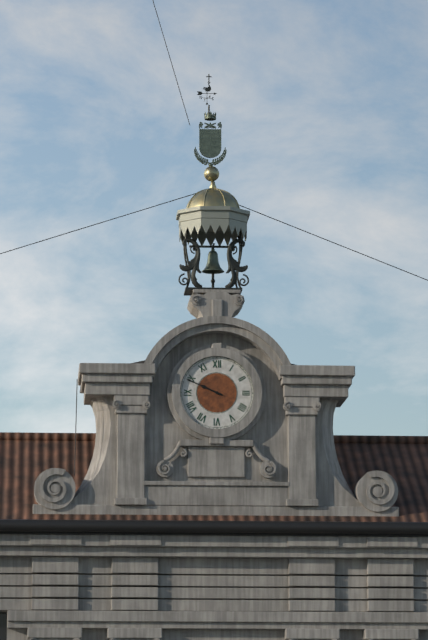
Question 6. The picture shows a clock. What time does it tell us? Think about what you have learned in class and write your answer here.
9:49
